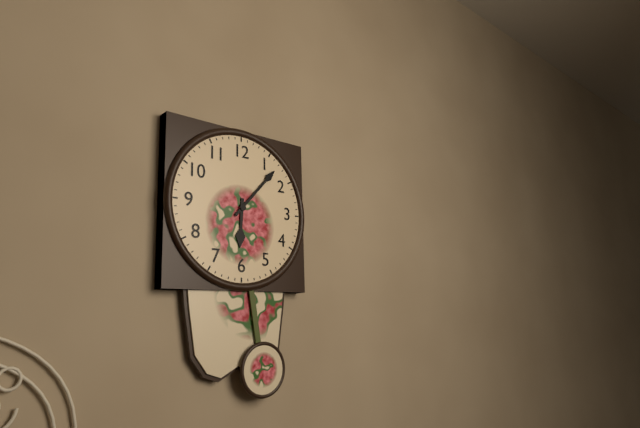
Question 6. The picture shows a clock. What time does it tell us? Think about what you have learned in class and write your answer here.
6:07
